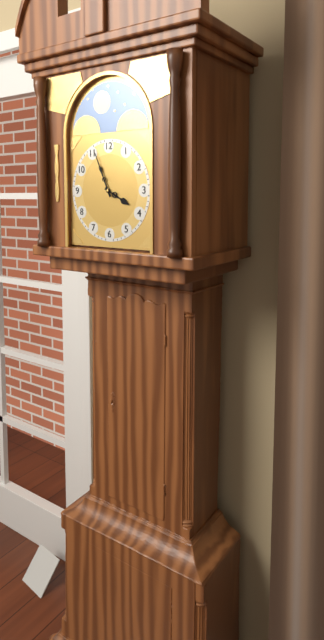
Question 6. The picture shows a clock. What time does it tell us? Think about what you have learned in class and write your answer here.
3:56
